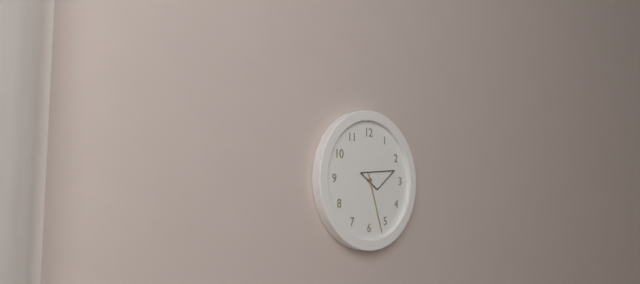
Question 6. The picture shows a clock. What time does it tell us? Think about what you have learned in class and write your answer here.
2:27
